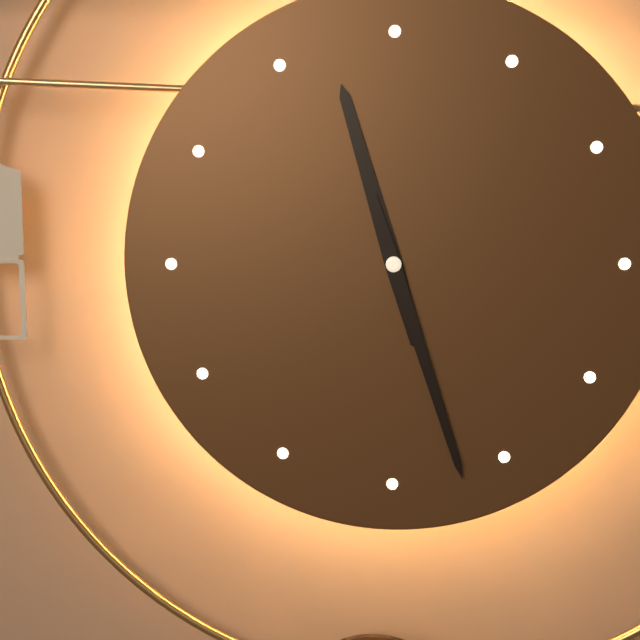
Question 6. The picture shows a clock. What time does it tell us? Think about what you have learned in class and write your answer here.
11:27
